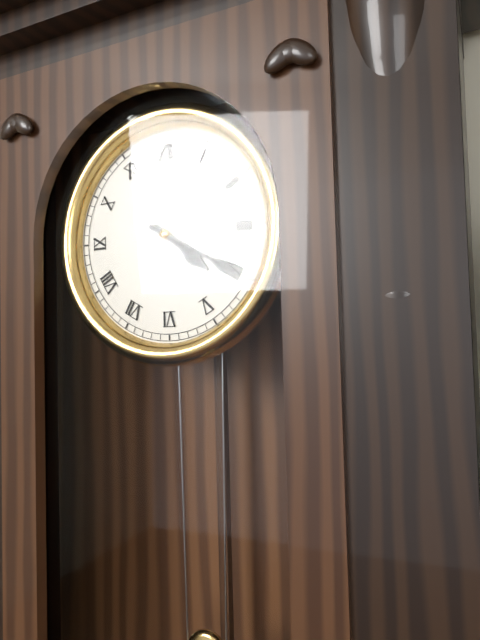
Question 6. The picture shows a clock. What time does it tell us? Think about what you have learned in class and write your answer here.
4:20
